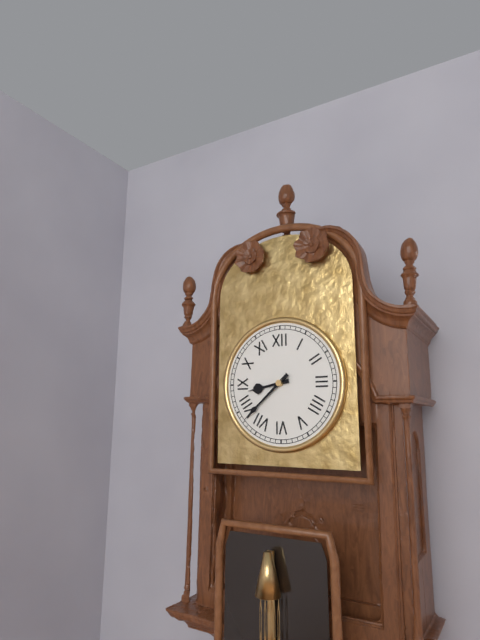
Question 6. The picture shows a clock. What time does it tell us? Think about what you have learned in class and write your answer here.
8:38
